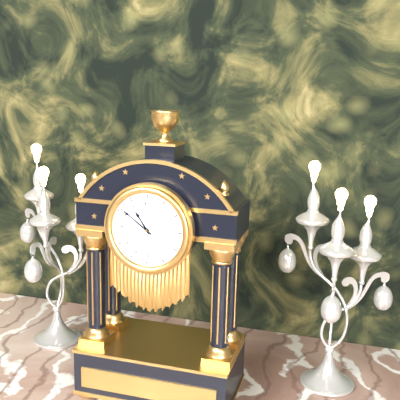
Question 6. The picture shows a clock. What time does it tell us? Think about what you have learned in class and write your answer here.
10:51
